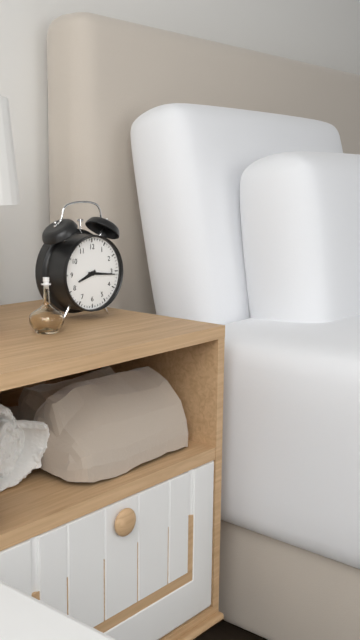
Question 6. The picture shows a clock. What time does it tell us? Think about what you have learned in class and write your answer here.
8:16
